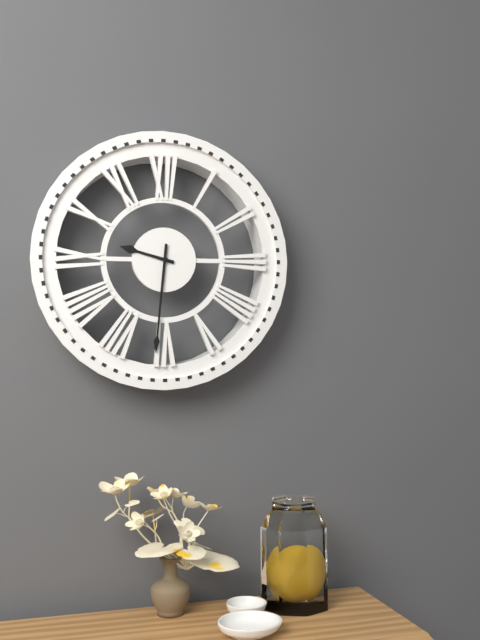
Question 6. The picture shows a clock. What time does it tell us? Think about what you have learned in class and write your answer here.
9:31
